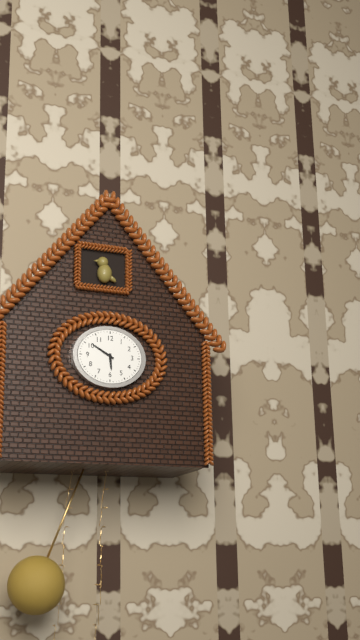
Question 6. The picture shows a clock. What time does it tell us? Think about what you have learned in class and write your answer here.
5:50
